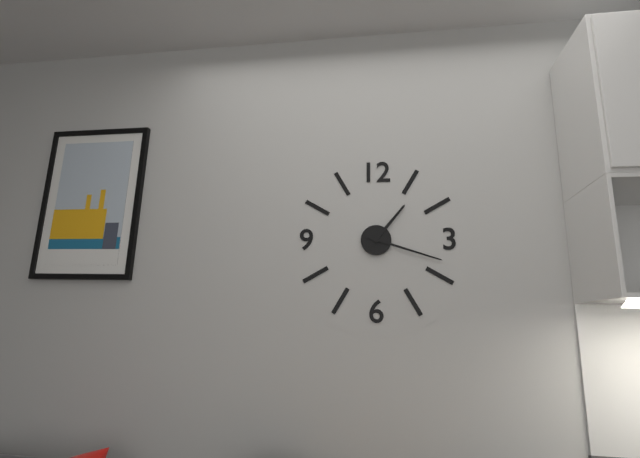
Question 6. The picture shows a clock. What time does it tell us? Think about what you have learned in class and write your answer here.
1:18
